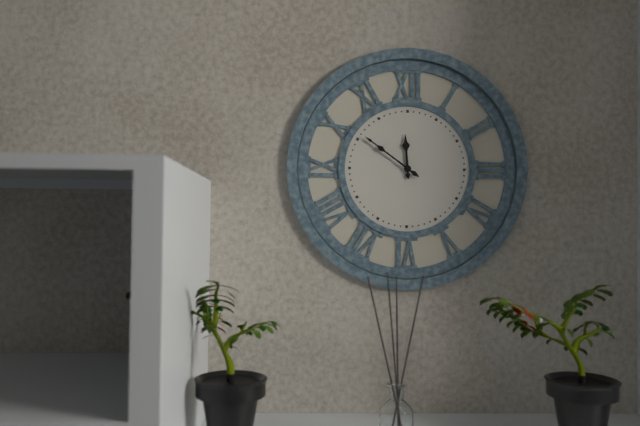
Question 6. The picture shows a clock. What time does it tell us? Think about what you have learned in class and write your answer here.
11:51
